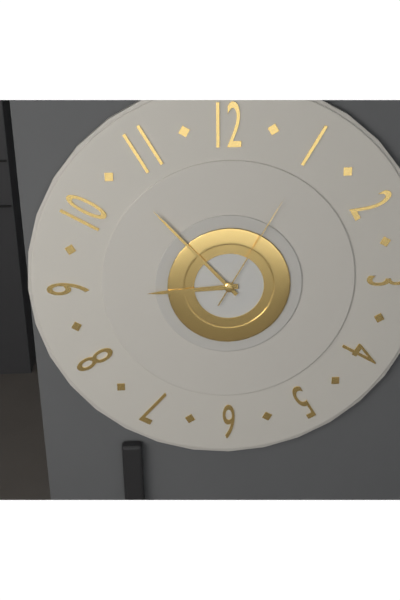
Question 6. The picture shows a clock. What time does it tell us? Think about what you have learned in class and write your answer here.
8:53:05
